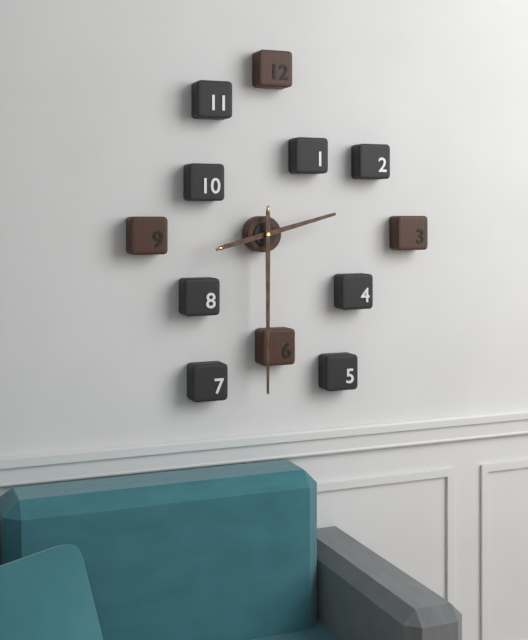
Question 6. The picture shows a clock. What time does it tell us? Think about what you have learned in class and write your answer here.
2:30
